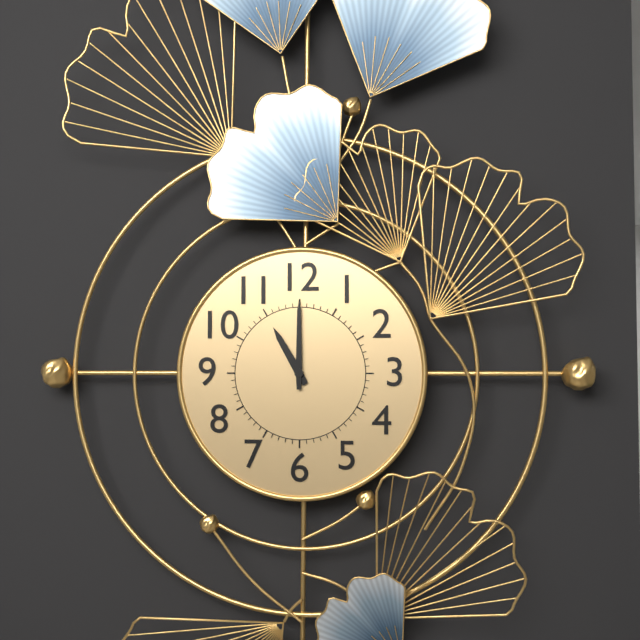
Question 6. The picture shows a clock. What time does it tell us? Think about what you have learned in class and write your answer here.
11:00
